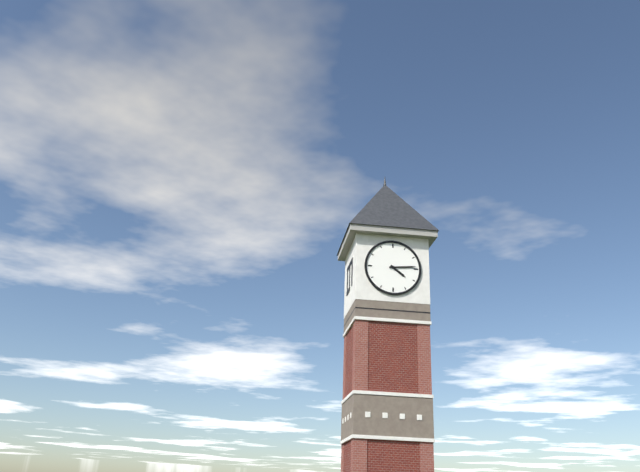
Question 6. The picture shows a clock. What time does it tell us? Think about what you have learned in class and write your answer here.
4:14
